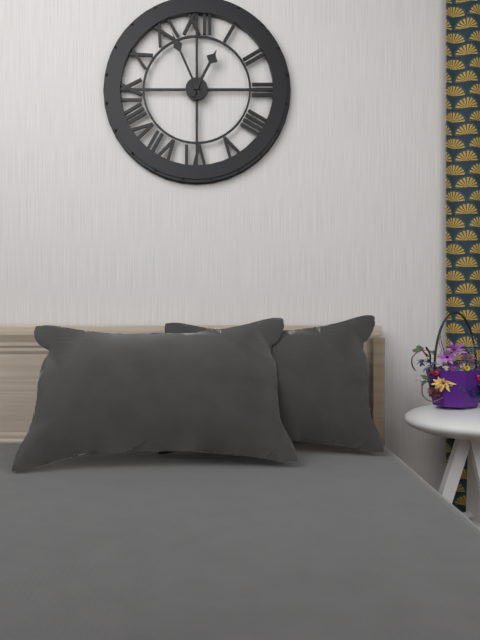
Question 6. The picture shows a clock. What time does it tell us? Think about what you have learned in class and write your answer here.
12:56
